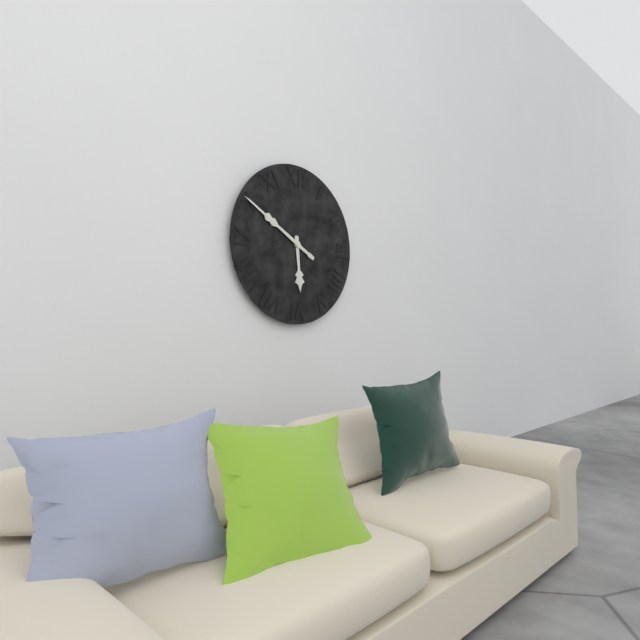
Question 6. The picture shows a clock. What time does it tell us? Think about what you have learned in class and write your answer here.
5:50
